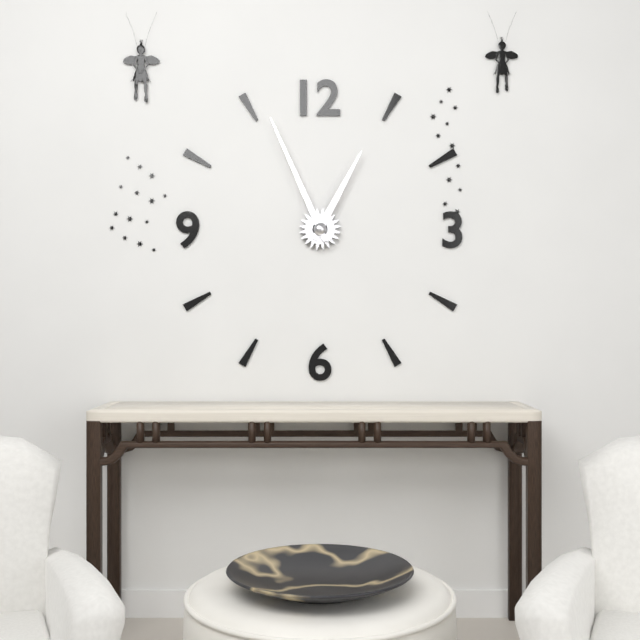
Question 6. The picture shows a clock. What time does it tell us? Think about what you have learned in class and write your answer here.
12:56
